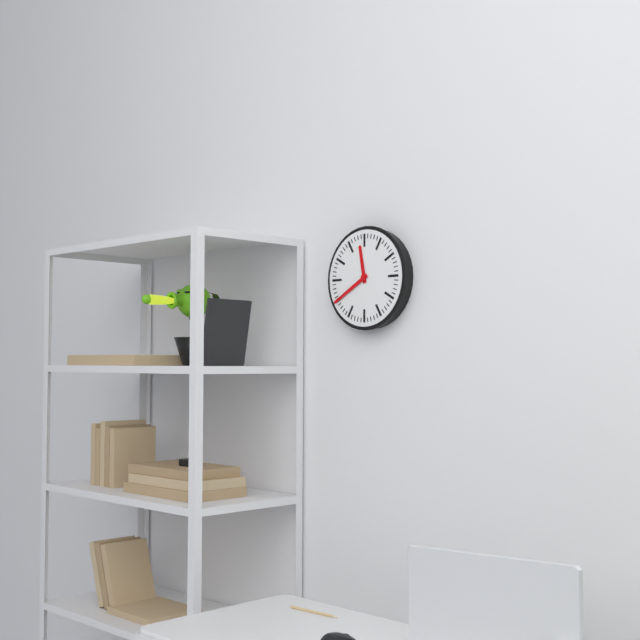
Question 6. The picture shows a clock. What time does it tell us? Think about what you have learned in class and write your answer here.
11:40
